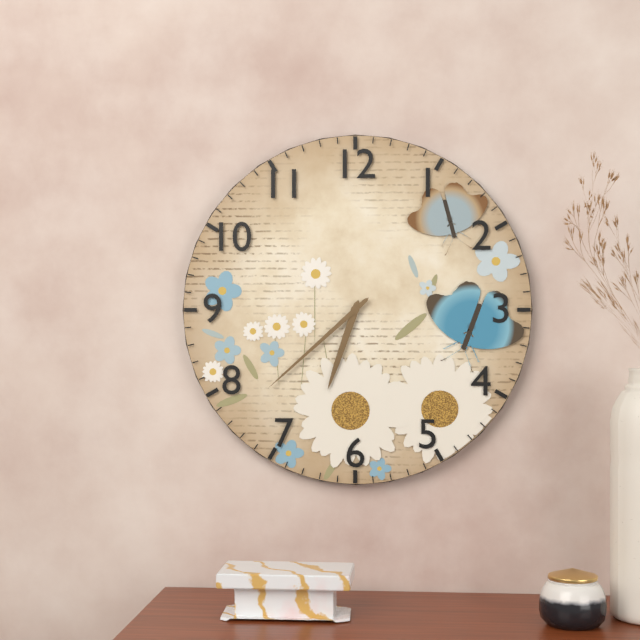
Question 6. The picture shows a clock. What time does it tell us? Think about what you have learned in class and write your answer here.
6:38
